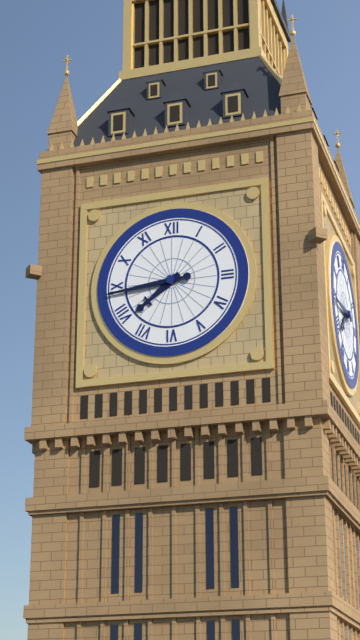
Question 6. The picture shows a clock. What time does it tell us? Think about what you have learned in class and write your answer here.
7:44
